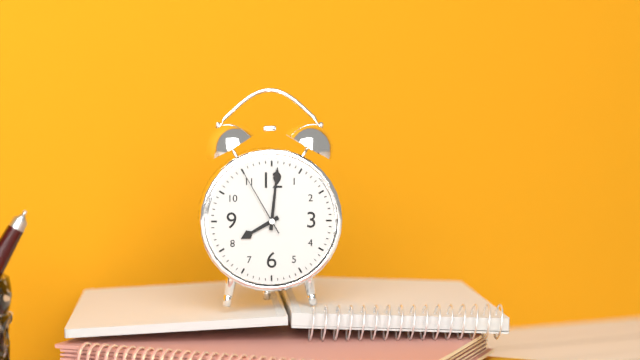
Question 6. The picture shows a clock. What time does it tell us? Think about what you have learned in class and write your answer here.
8:01:55
